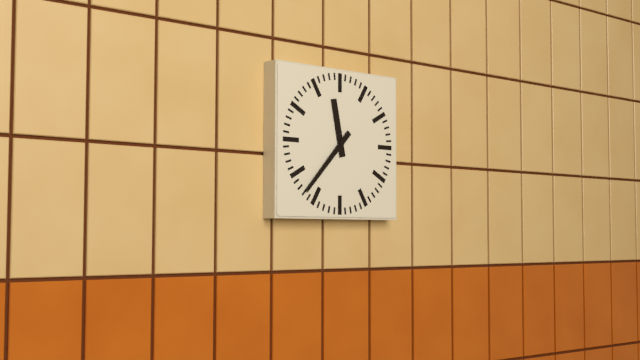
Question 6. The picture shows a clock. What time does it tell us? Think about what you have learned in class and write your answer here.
11:37
